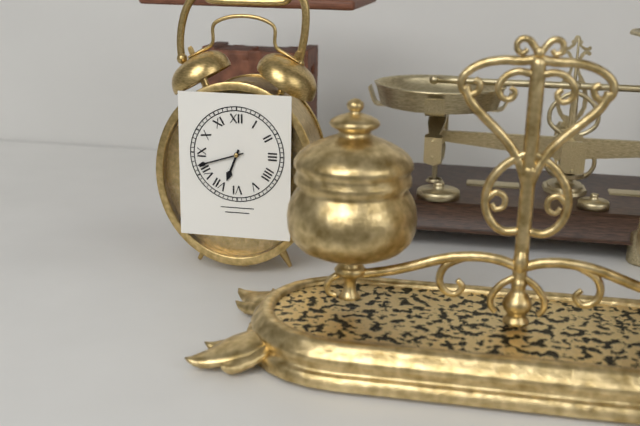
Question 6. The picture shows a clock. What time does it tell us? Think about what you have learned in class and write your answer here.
6:42
